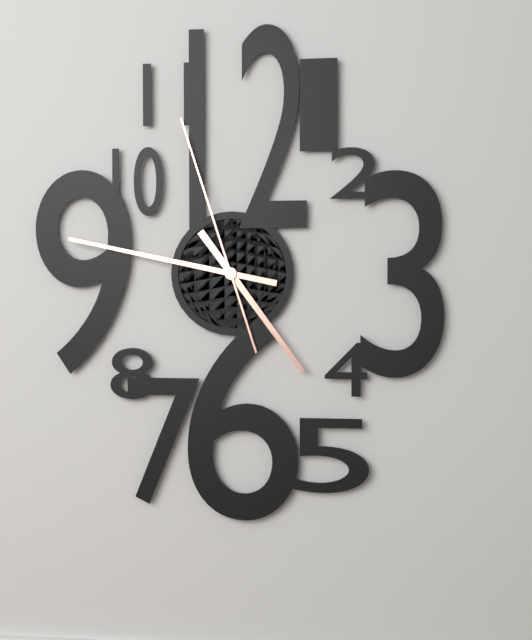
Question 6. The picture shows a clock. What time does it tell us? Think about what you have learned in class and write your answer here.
4:47:57
